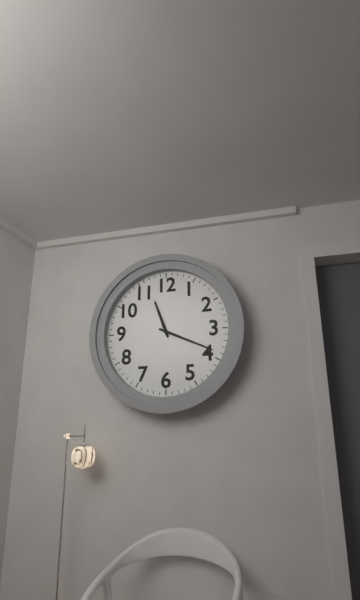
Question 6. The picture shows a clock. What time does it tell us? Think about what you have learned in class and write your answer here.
11:19
